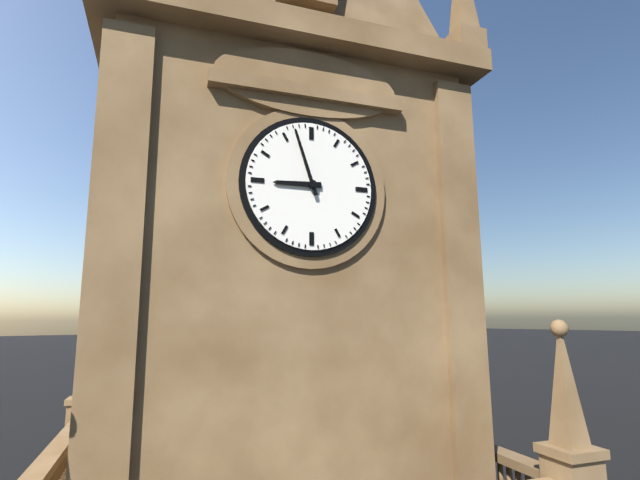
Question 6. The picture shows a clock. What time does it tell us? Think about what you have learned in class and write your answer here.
8:57
